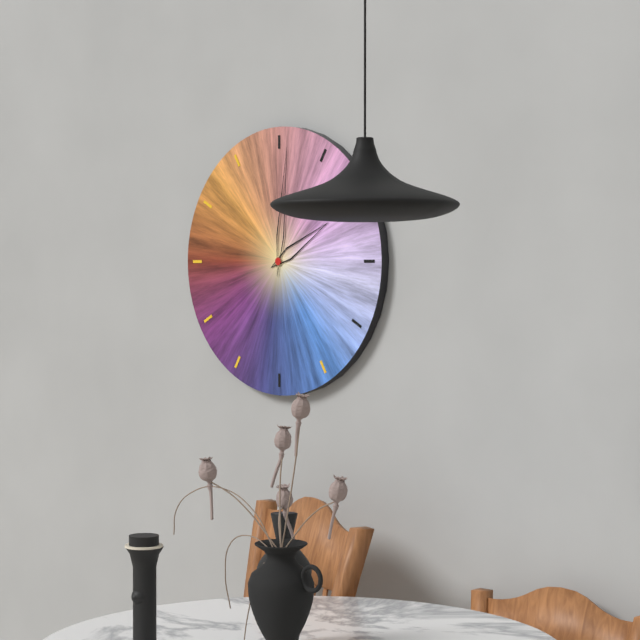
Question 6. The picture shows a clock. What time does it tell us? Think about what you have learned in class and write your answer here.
2:01
